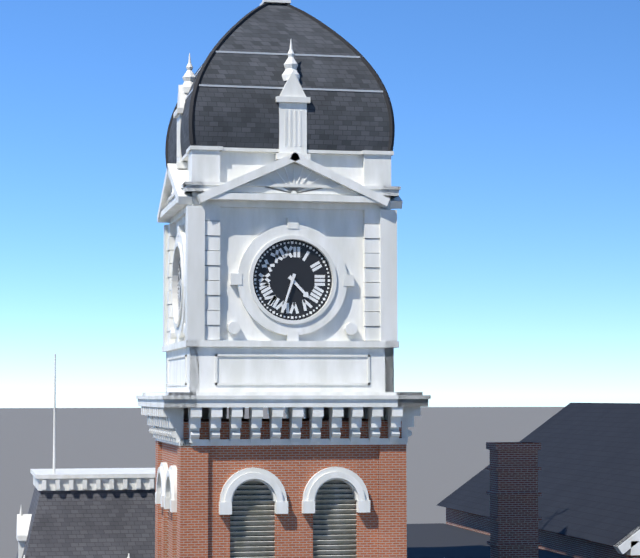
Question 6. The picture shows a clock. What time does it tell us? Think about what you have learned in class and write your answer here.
4:33
